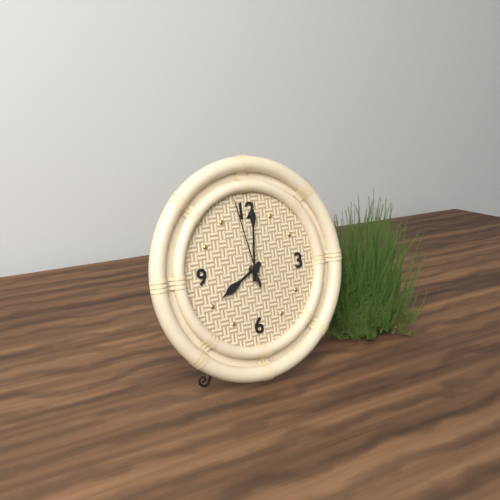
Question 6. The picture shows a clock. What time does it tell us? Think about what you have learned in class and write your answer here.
8:01:58
